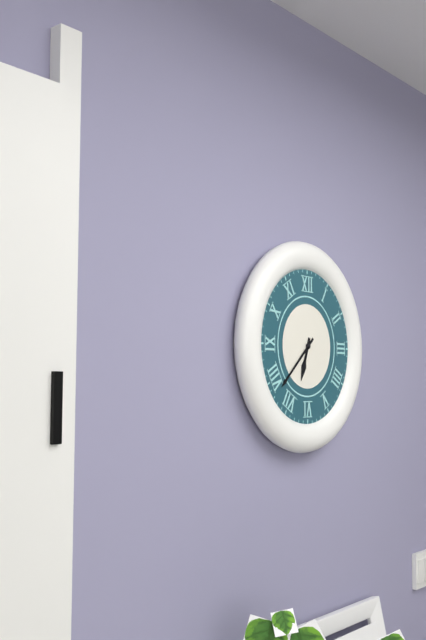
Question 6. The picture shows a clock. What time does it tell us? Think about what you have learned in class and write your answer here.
6:38
